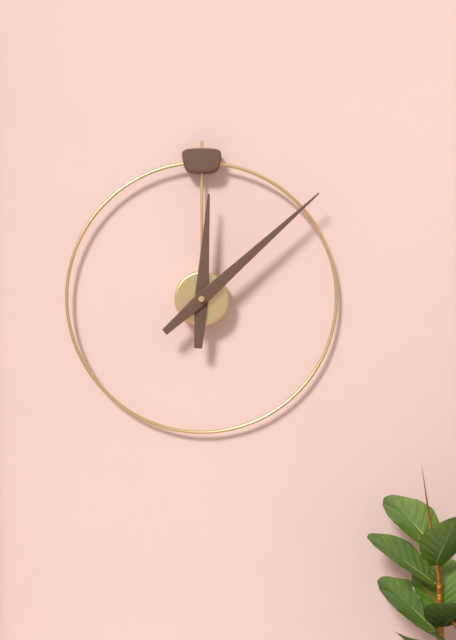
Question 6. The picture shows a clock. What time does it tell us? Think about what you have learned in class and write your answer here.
12:08
